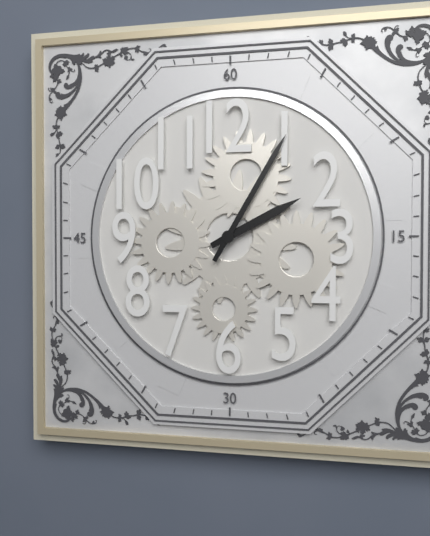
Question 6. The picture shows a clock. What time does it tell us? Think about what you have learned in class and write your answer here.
2:05
